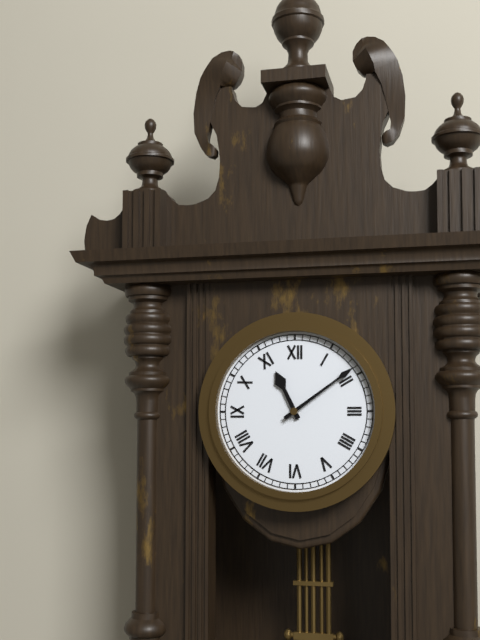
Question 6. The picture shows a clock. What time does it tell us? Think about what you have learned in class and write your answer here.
11:09
